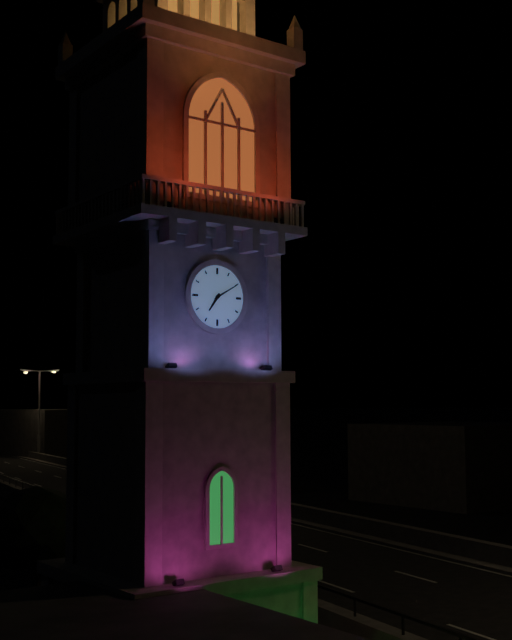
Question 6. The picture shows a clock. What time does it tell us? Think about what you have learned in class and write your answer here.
7:10
